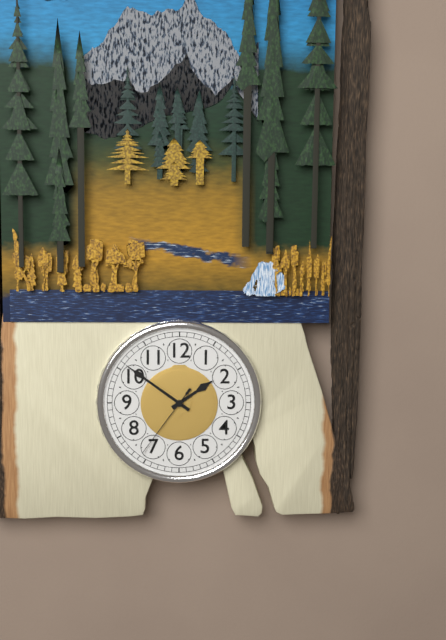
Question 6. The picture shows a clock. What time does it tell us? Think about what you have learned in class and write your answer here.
1:51:36
